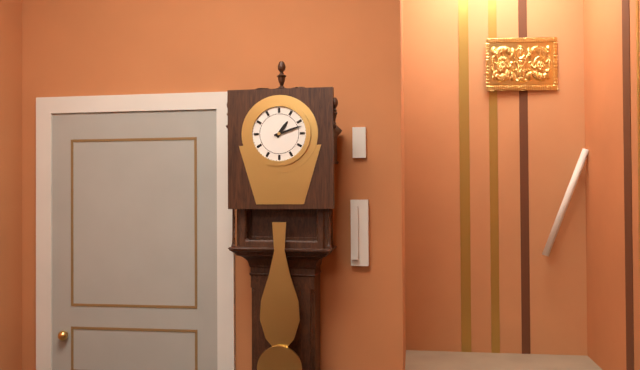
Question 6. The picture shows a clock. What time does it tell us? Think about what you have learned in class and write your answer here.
1:12
